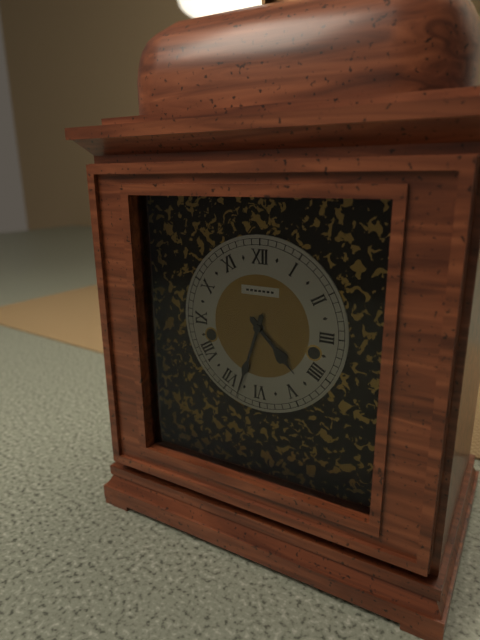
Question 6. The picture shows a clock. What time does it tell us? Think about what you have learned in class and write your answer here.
4:33
